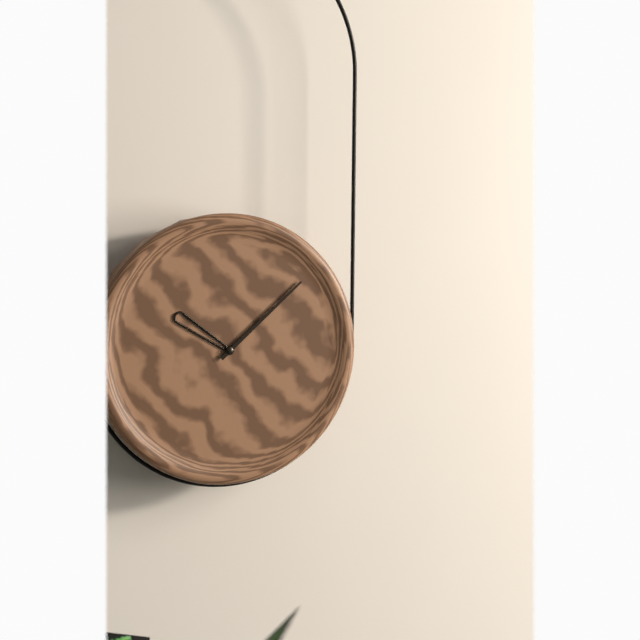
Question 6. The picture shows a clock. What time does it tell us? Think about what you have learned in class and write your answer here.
10:08
